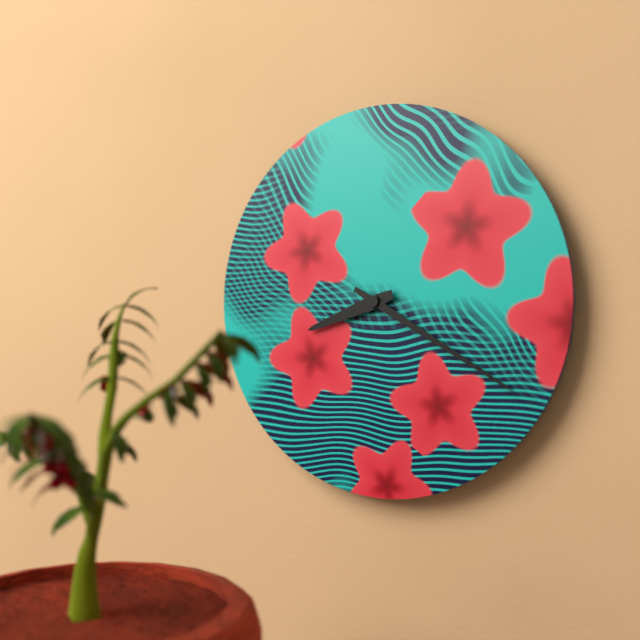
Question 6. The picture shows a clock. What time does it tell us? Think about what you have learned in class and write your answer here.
8:20
